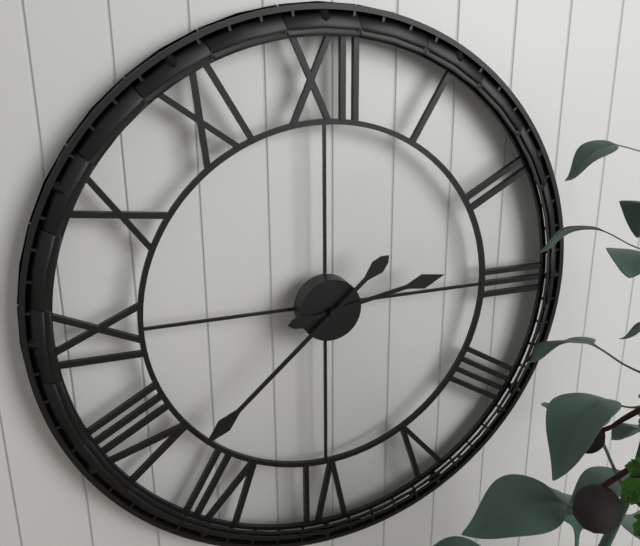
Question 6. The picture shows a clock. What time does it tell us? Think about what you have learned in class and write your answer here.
2:38
